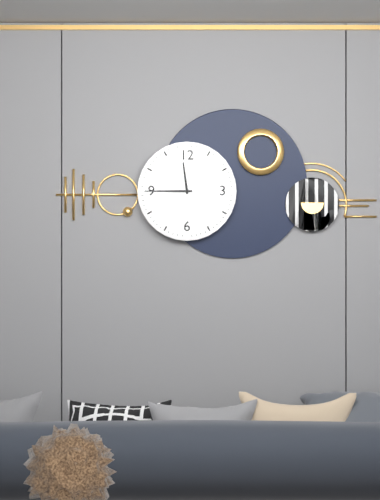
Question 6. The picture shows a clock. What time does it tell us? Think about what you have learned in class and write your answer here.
11:45
